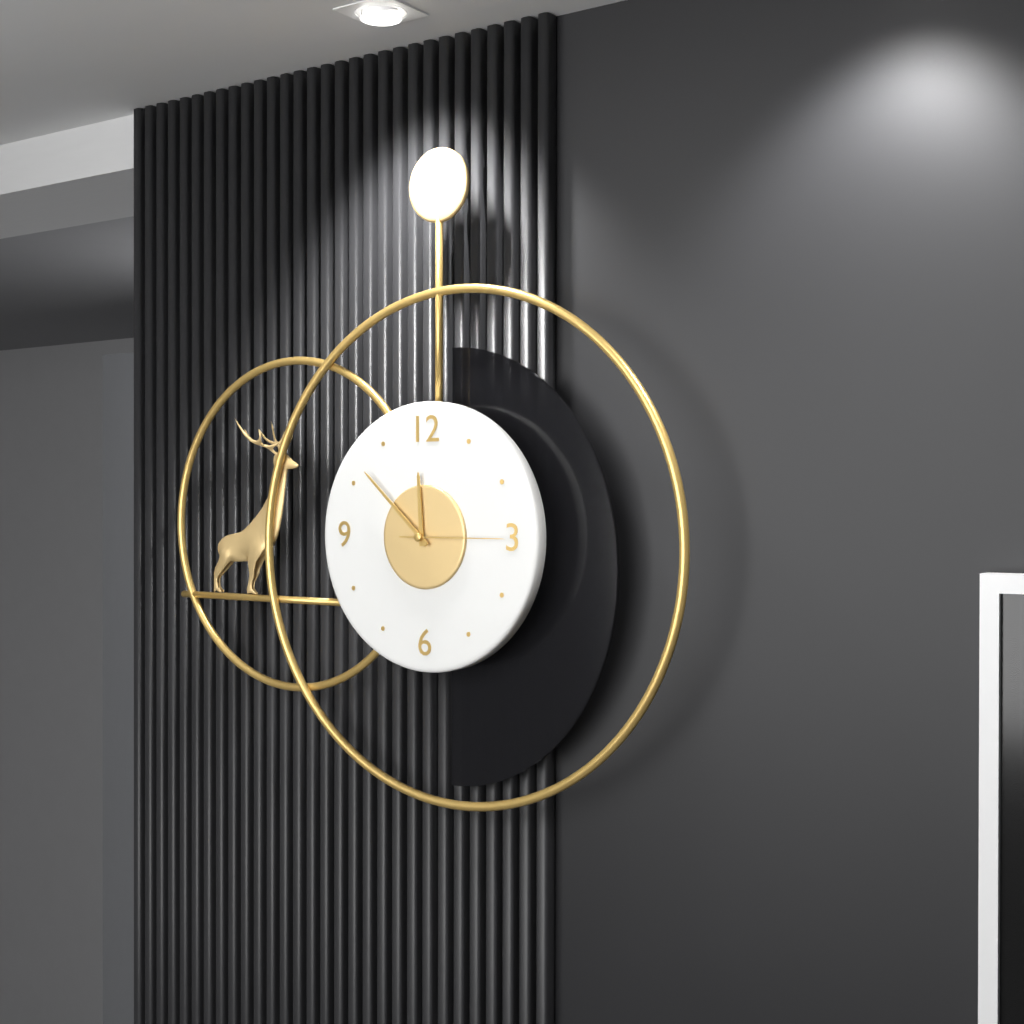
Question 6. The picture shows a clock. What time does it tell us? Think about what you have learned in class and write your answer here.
11:52:15
